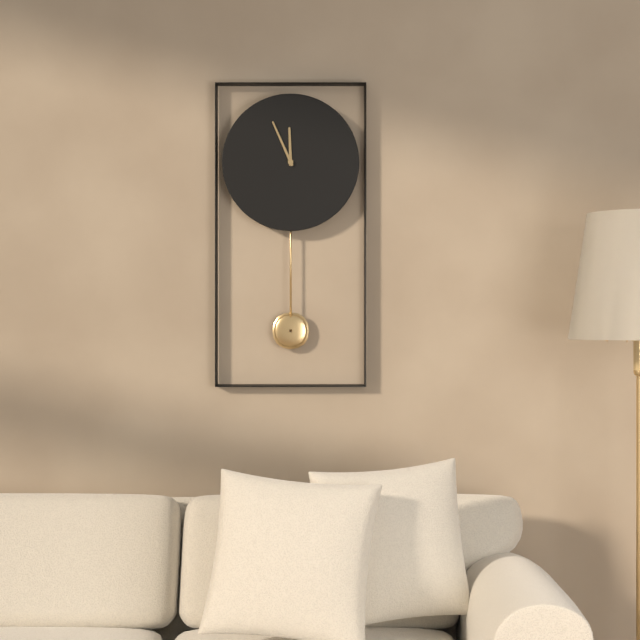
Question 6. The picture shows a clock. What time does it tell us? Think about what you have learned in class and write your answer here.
11:56
